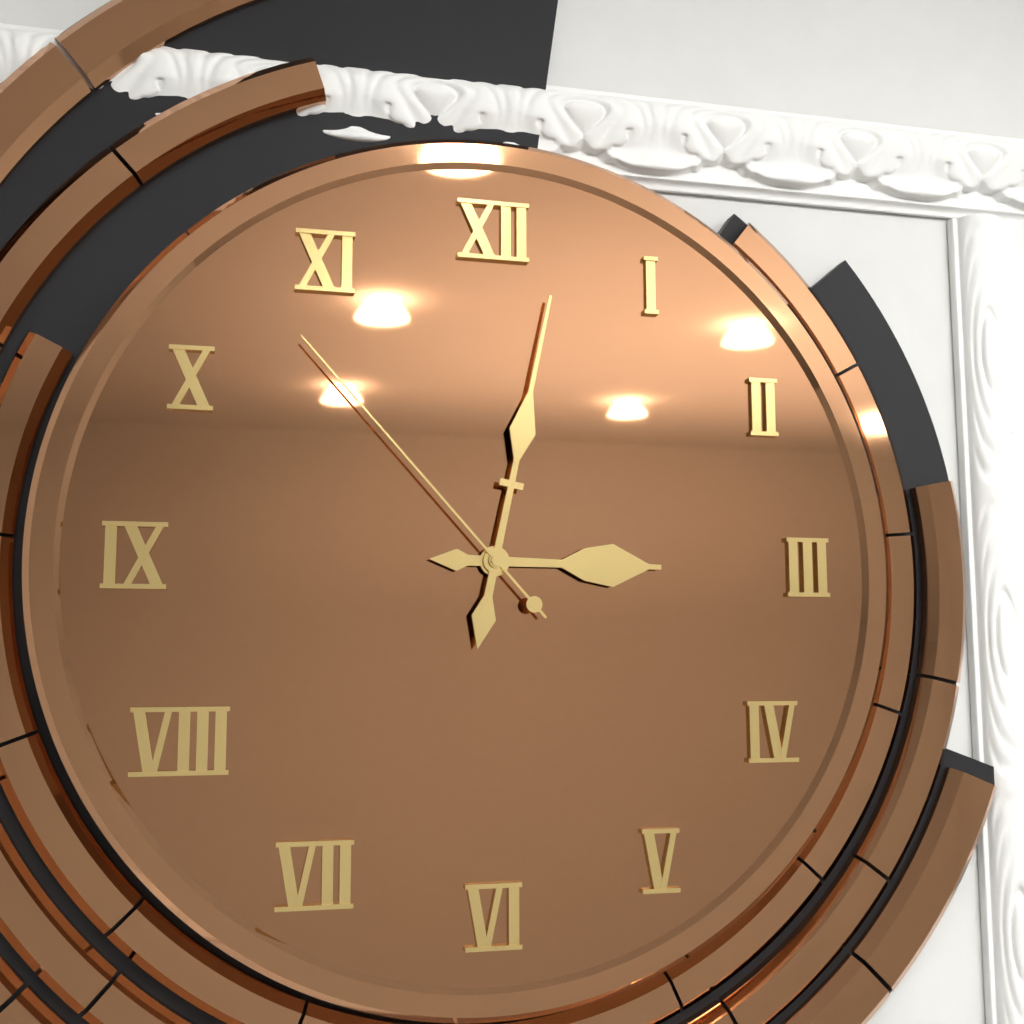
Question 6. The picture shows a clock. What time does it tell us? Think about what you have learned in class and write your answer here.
3:02:53
